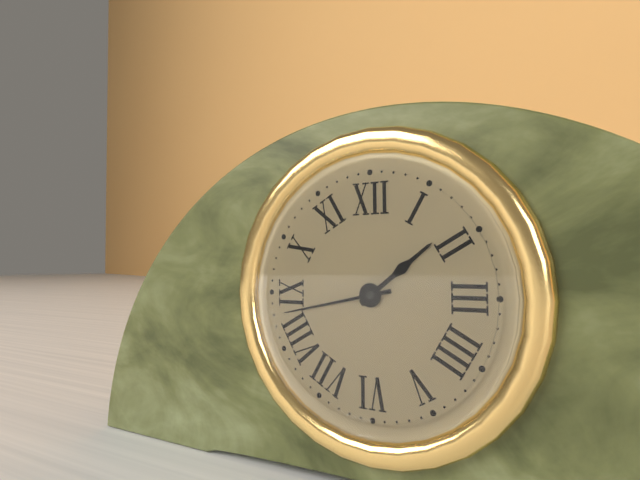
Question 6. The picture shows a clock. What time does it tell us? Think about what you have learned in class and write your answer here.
1:43
